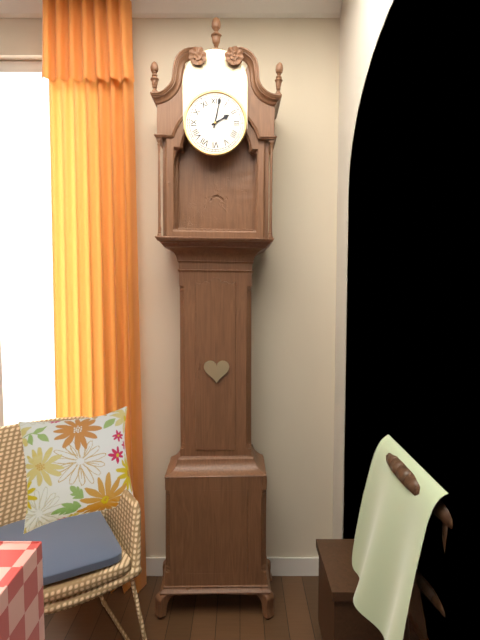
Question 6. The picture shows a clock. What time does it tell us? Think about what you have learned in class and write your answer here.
2:02
